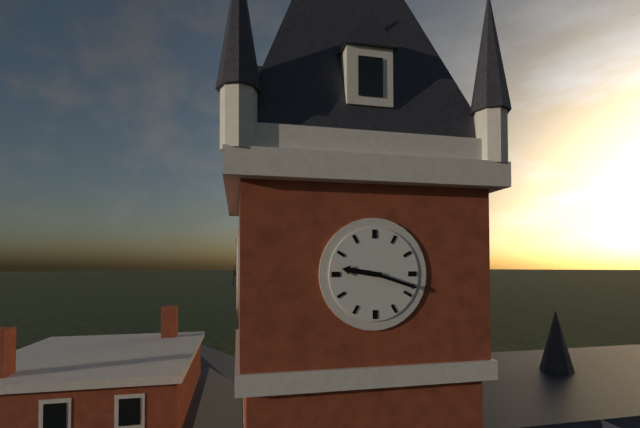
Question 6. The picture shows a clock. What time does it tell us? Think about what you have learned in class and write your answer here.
9:18
